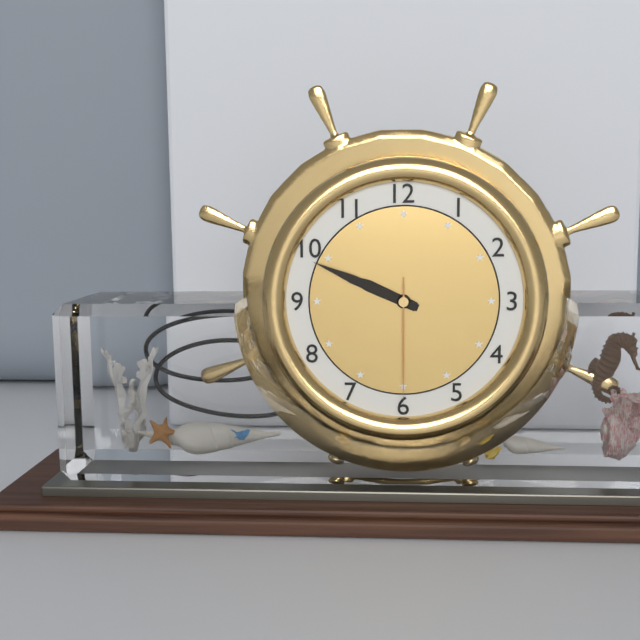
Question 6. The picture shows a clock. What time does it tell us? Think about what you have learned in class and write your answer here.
9:49:30
